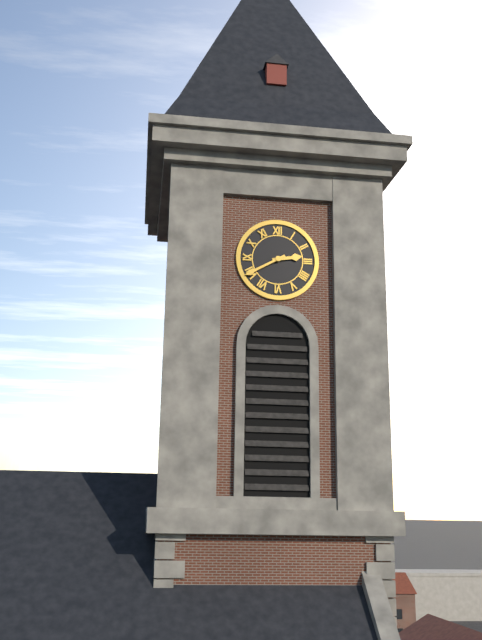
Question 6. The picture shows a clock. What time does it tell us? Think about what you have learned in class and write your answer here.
2:40
